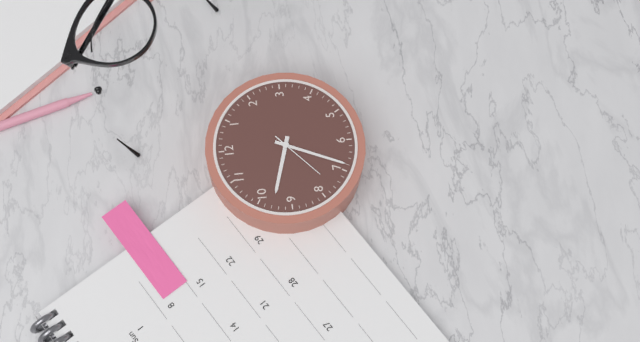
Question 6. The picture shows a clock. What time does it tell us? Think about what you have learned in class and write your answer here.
9:34
